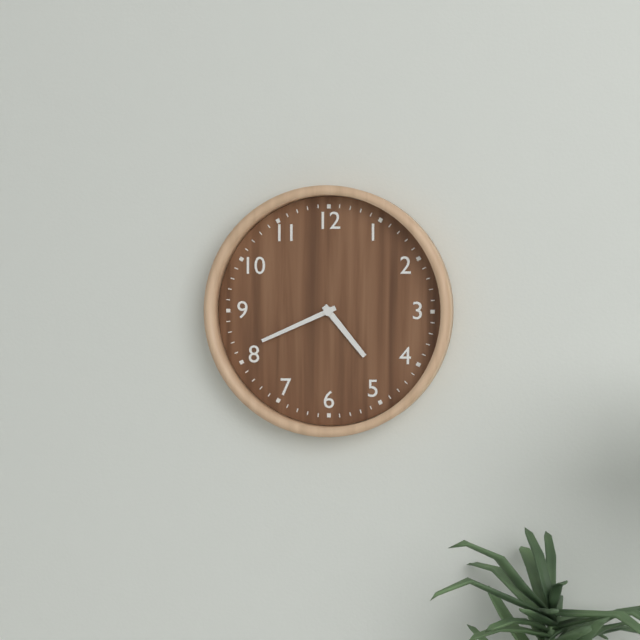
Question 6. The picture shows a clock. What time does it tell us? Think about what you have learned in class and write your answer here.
4:41
